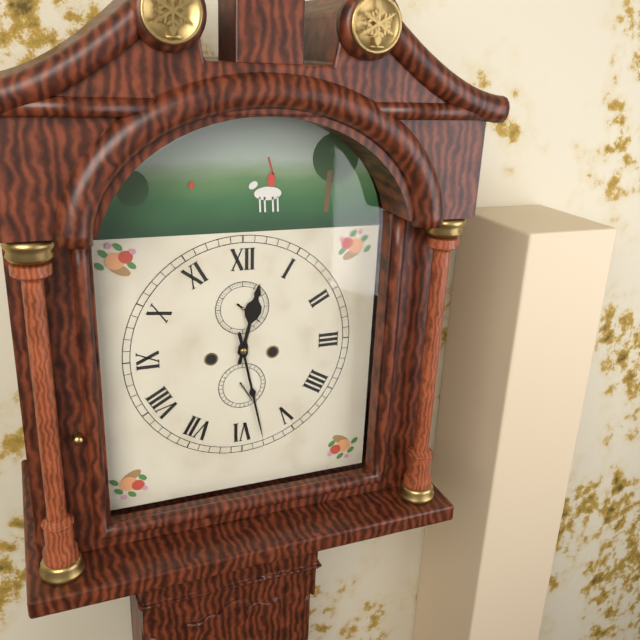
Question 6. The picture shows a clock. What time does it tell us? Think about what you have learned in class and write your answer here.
12:28
